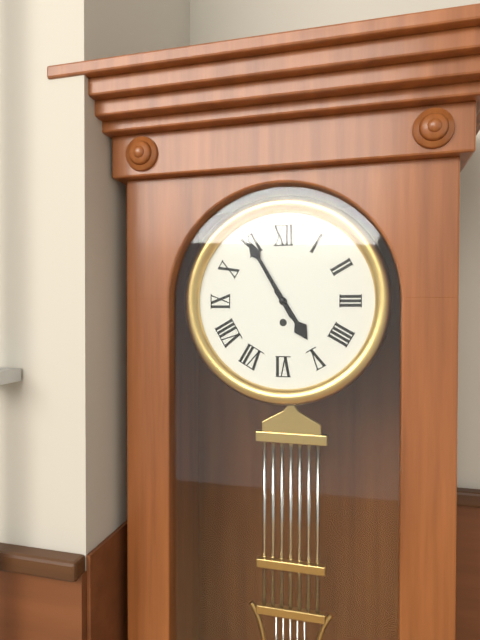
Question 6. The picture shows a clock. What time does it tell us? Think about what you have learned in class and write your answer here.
4:55
